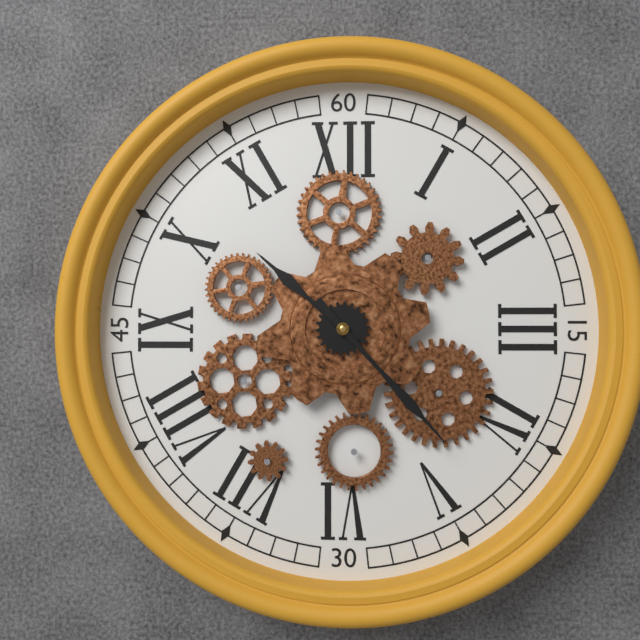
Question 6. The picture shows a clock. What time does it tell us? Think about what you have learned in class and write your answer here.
10:23
